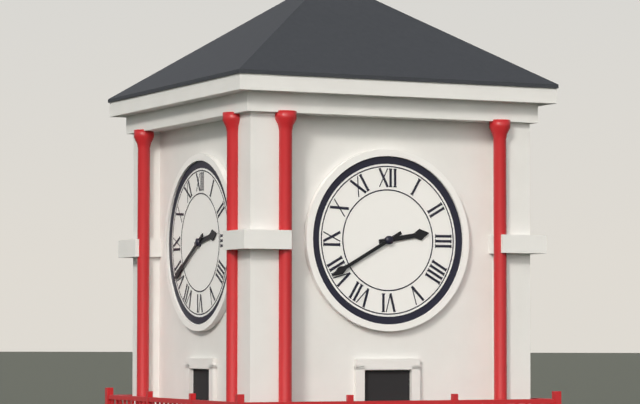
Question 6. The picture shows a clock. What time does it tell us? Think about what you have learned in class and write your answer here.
2:40
